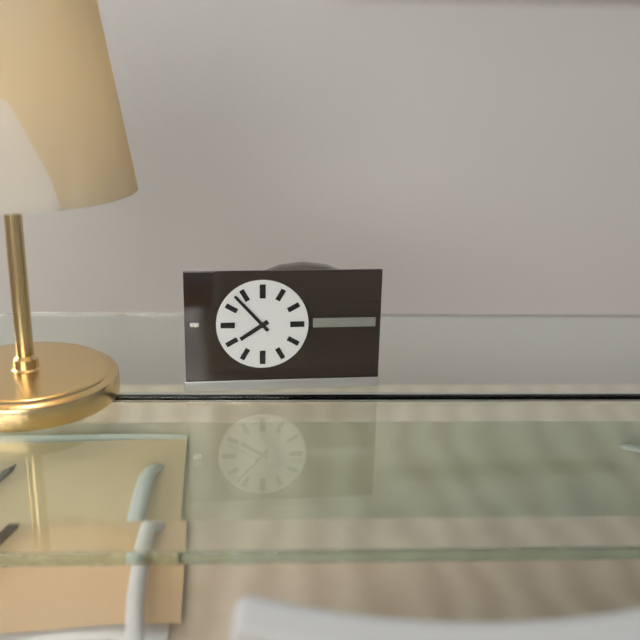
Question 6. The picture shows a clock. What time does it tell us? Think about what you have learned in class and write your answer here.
7:53
